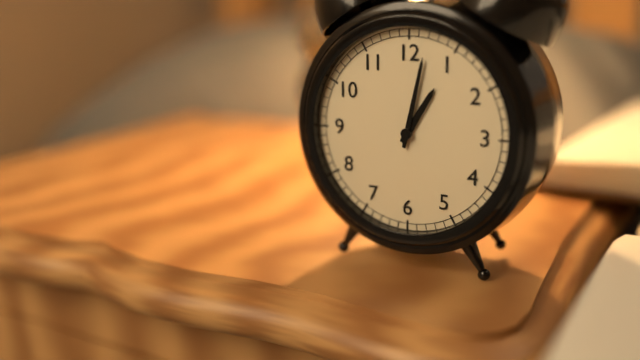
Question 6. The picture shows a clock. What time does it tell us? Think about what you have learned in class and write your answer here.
1:02
